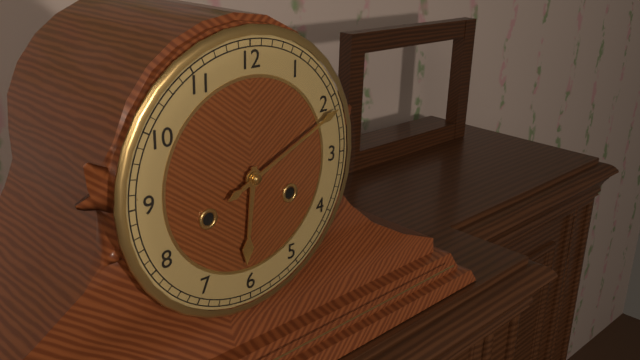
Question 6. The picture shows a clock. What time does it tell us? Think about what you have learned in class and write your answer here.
6:11
